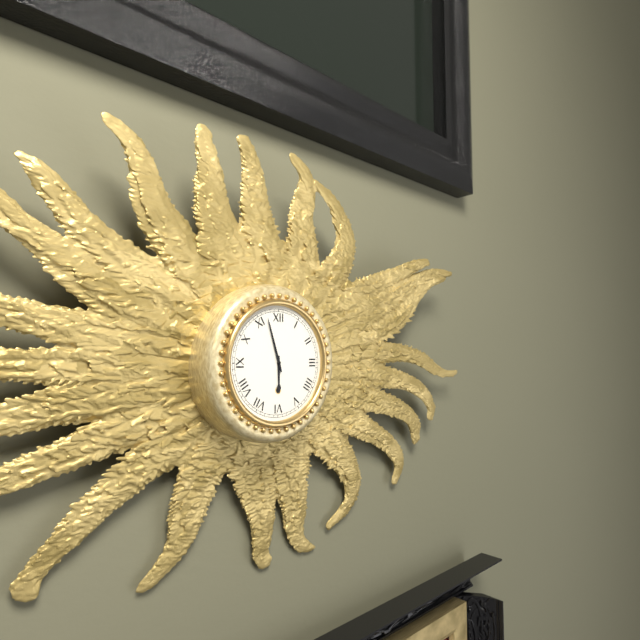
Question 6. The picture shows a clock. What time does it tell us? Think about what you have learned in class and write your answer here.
5:57
